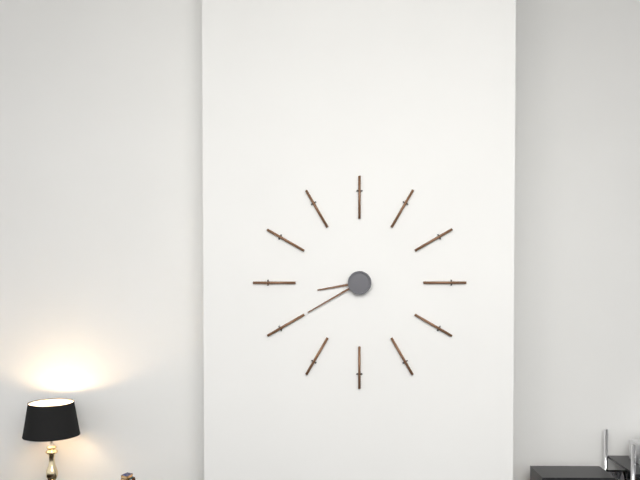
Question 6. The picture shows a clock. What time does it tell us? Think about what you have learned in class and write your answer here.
8:40
